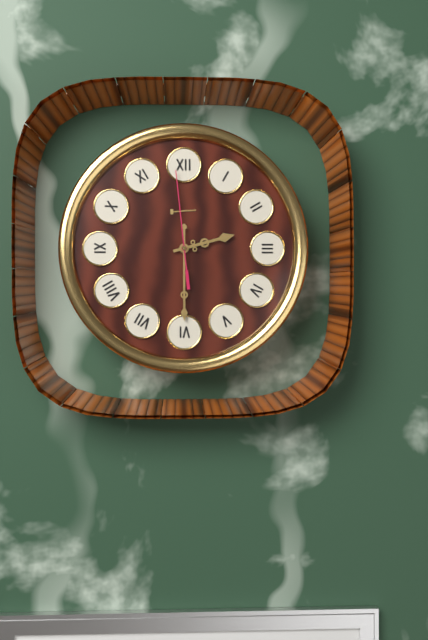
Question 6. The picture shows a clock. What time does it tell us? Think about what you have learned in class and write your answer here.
2:30:59
